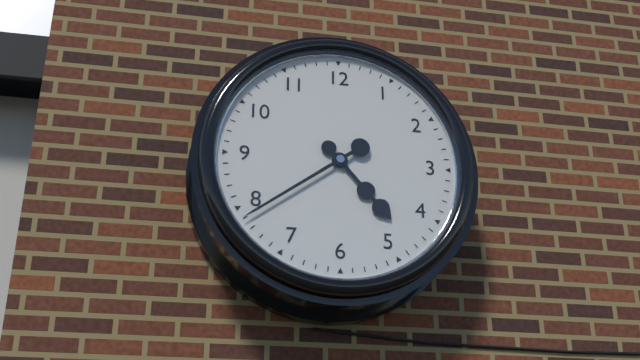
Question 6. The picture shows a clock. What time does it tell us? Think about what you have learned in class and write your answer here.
4:39
